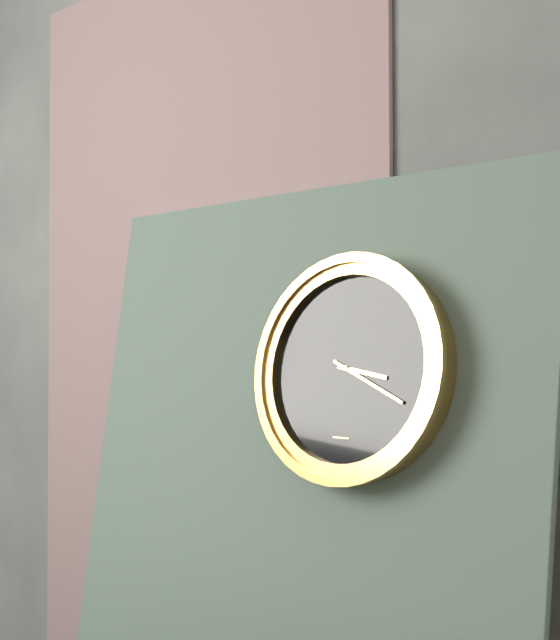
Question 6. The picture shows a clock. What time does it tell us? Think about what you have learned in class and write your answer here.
3:19
